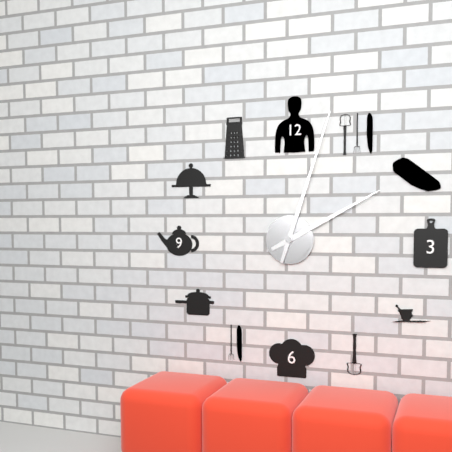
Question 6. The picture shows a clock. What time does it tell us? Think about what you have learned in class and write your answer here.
2:03
